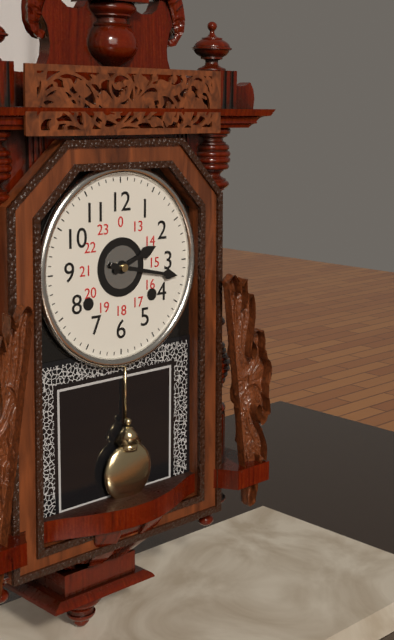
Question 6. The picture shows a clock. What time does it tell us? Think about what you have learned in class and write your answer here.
2:17
